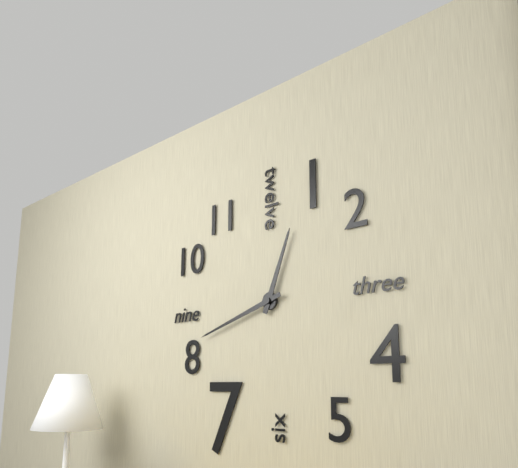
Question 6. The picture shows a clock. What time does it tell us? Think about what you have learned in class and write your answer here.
12:42
